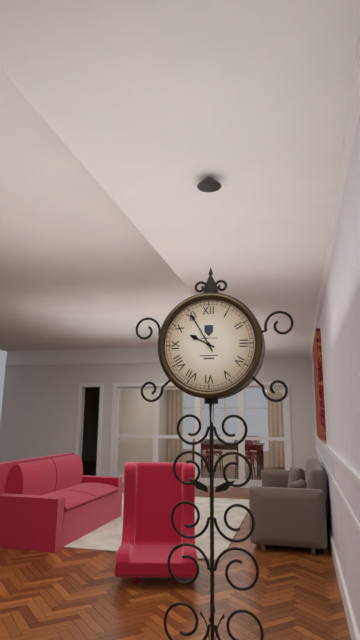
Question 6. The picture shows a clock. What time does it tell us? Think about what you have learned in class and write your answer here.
9:55
